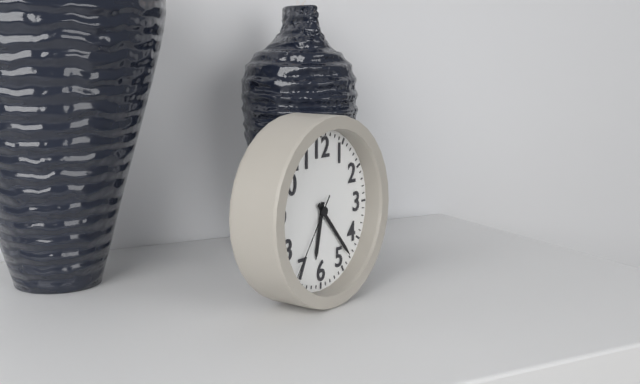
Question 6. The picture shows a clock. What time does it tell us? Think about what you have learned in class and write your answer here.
6:23:36
